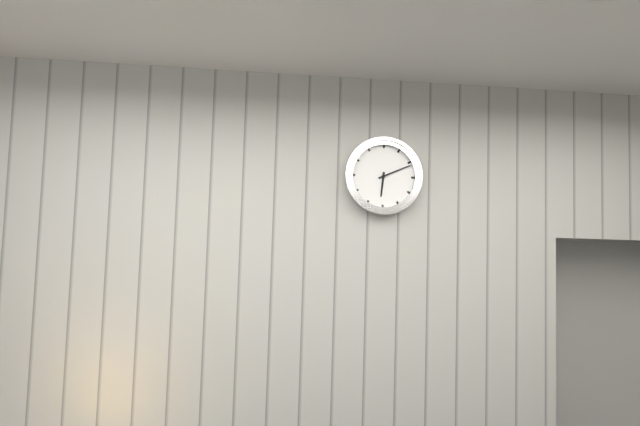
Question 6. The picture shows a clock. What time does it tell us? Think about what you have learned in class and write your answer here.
6:11
